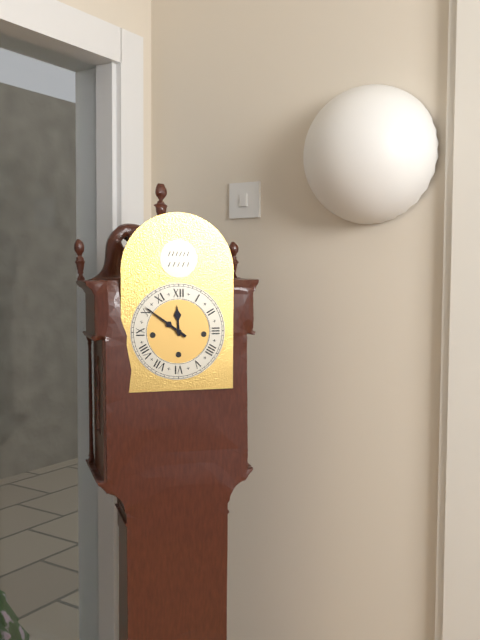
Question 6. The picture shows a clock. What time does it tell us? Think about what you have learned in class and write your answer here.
11:51
